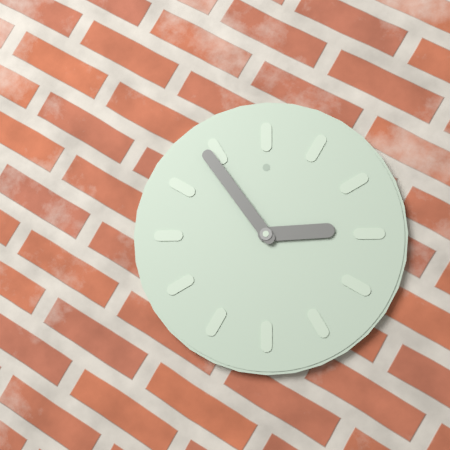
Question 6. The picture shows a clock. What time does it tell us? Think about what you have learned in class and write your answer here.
2:54
